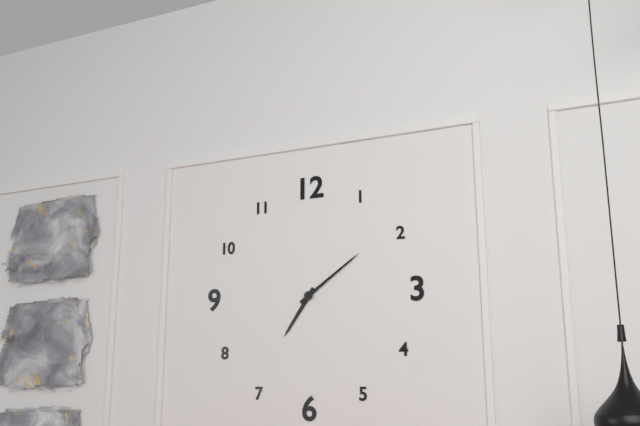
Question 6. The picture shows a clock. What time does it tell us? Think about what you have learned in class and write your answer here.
7:09
